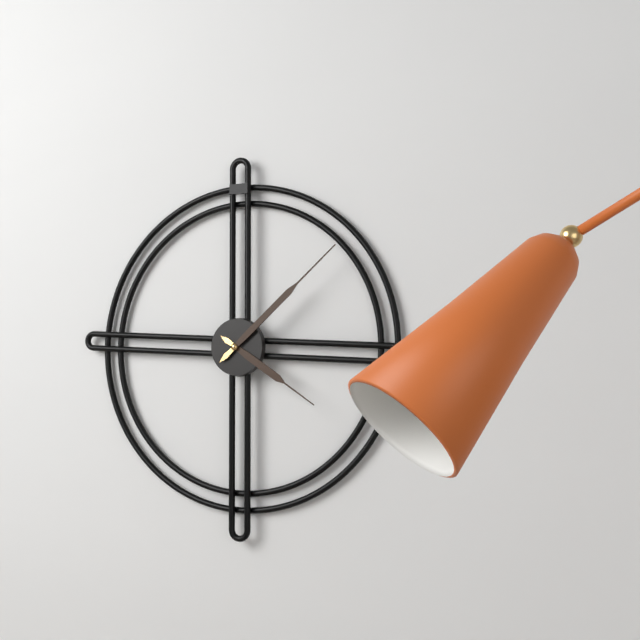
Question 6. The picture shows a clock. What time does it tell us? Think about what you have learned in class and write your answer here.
4:08
